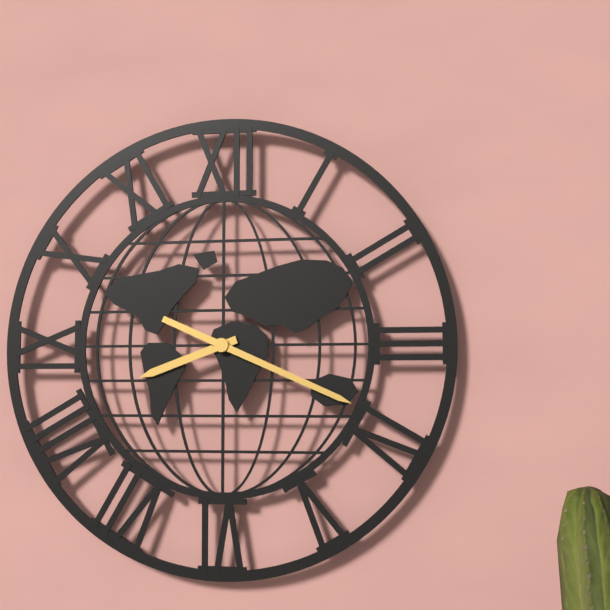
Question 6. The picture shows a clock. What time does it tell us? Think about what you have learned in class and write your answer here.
8:19
